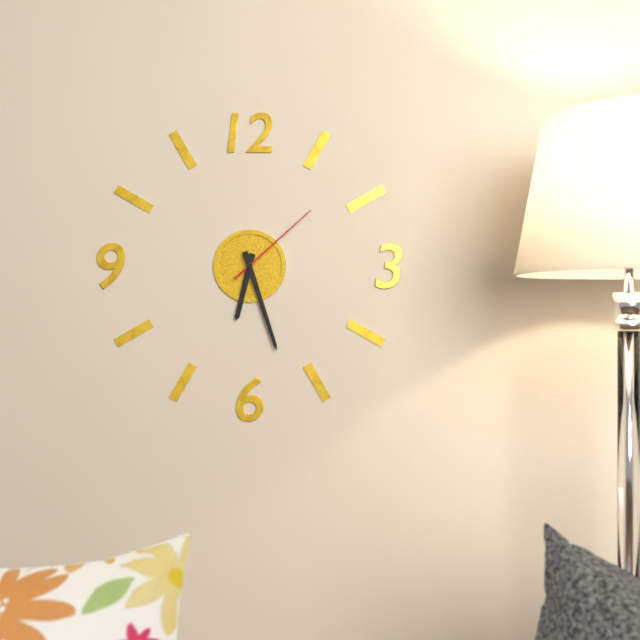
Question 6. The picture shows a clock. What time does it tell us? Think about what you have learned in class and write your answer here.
6:27:08
